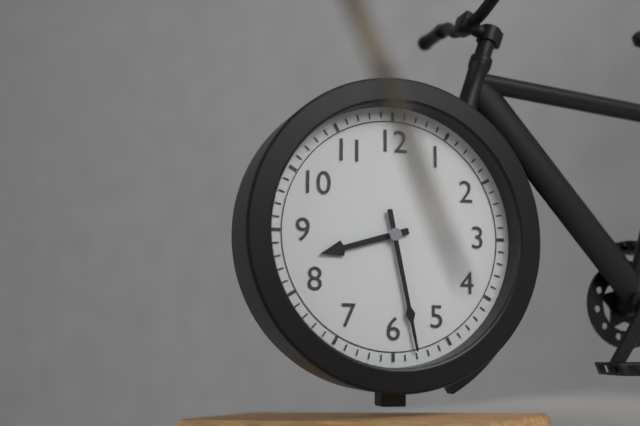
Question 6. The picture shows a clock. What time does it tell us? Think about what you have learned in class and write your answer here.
8:28
